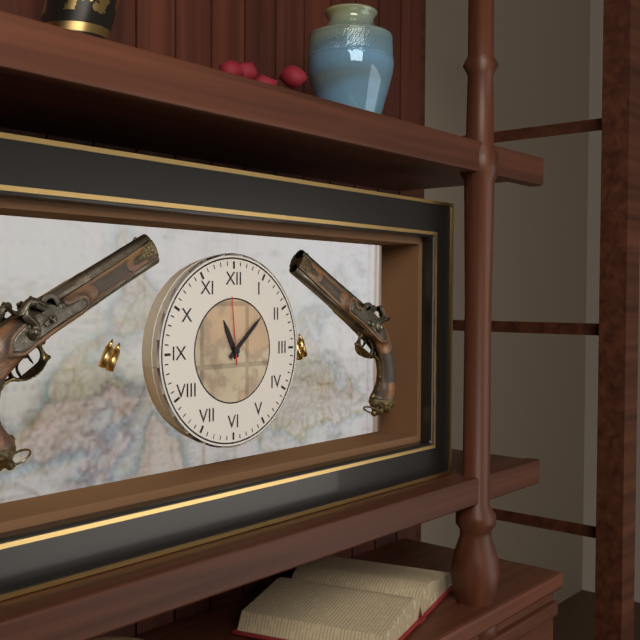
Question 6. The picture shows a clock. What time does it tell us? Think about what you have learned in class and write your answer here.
11:08:59
